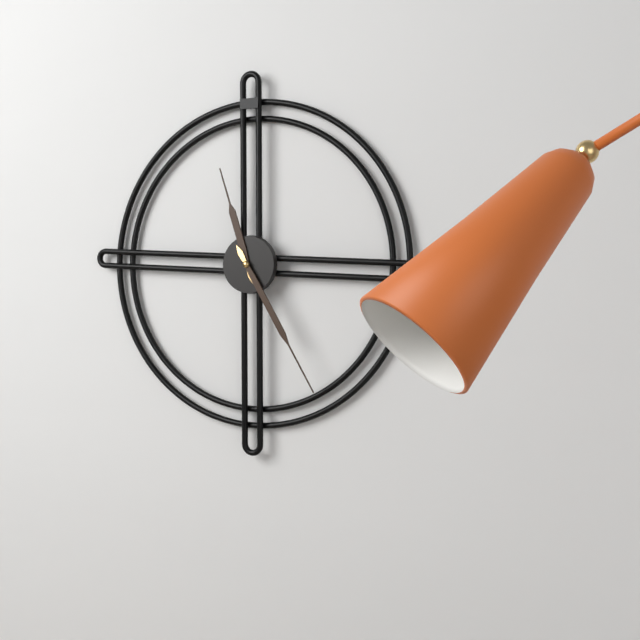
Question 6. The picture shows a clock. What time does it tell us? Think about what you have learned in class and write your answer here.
11:25
